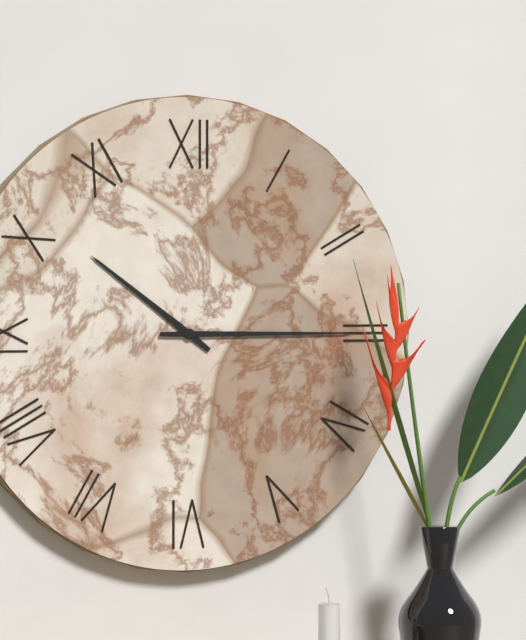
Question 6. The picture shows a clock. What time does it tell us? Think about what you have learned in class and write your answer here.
10:15
